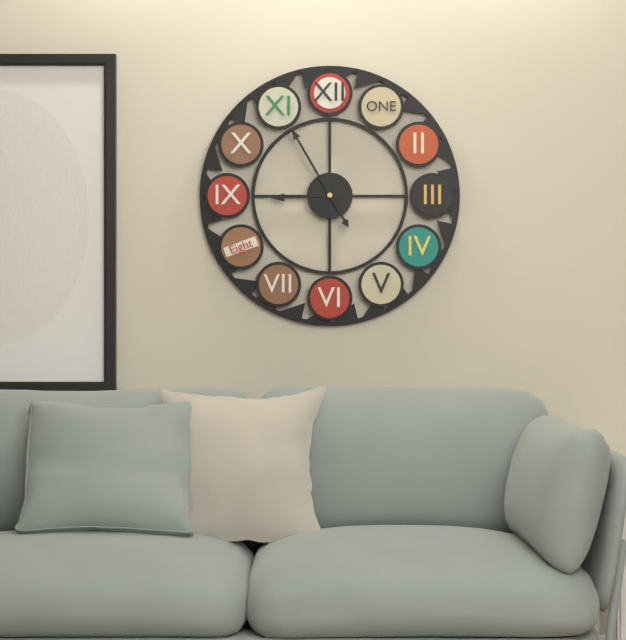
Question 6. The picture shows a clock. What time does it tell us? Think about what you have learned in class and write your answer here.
8:55
